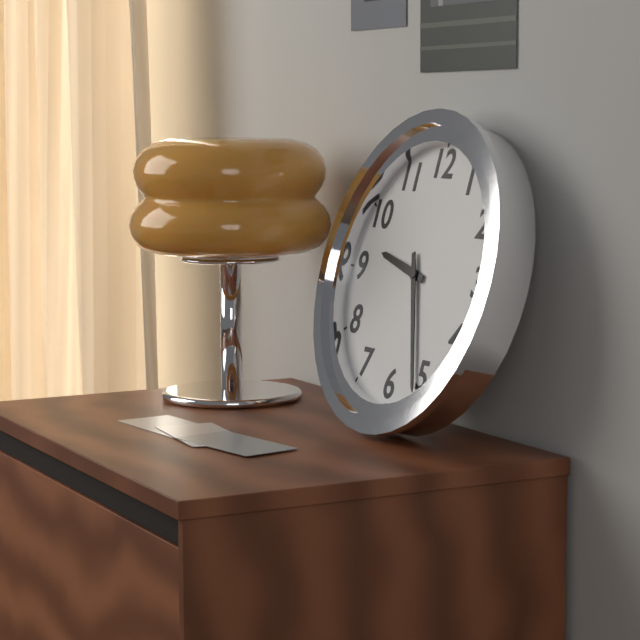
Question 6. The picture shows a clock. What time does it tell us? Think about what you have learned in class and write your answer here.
9:26
